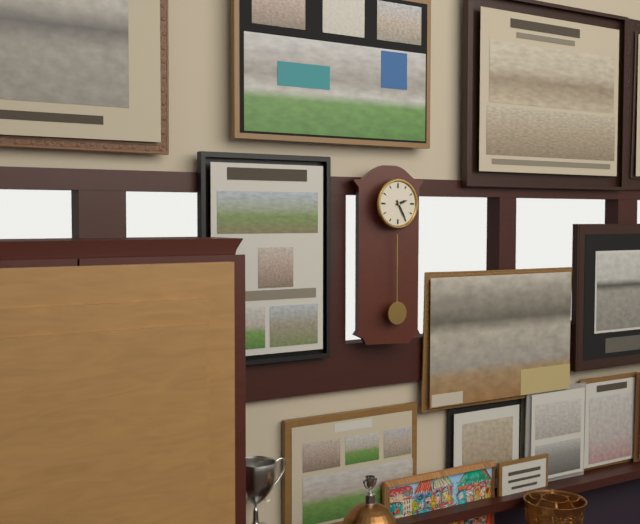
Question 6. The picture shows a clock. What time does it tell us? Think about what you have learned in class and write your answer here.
2:25
